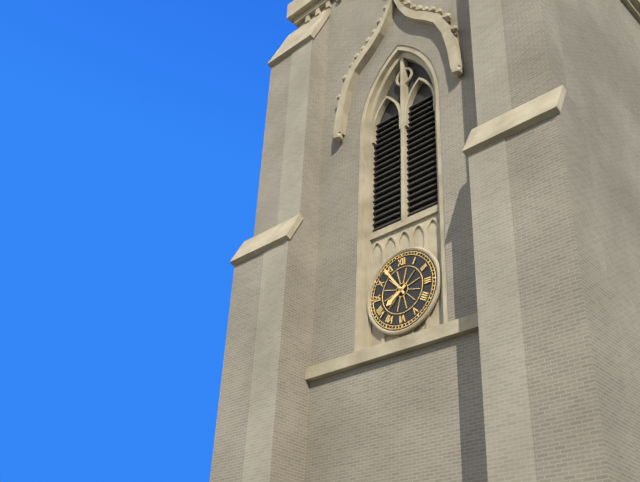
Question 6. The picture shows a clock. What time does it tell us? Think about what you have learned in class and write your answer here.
7:54
